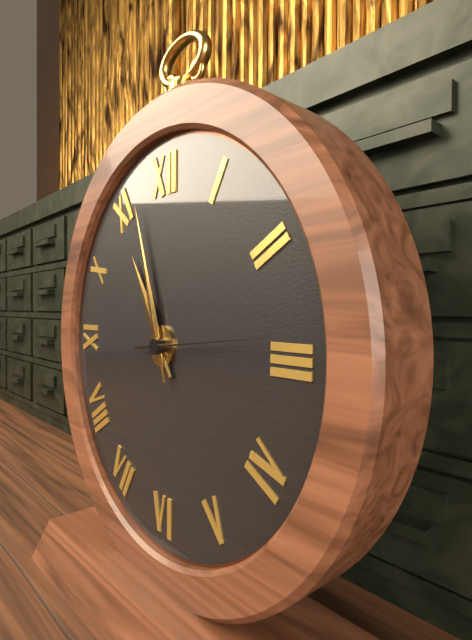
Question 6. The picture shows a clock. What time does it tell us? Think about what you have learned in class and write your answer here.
10:57:14
